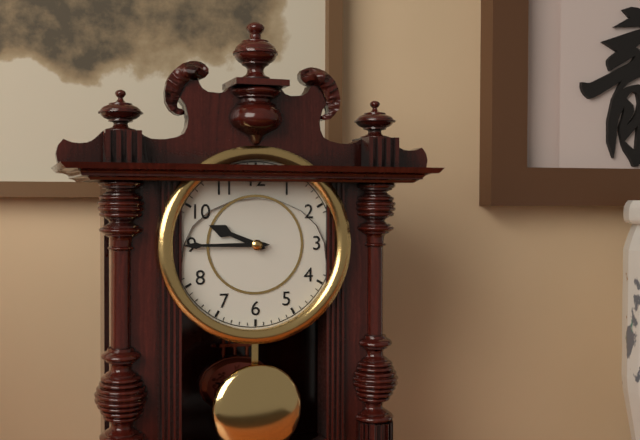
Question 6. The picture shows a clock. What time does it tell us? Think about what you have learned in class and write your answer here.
9:45
